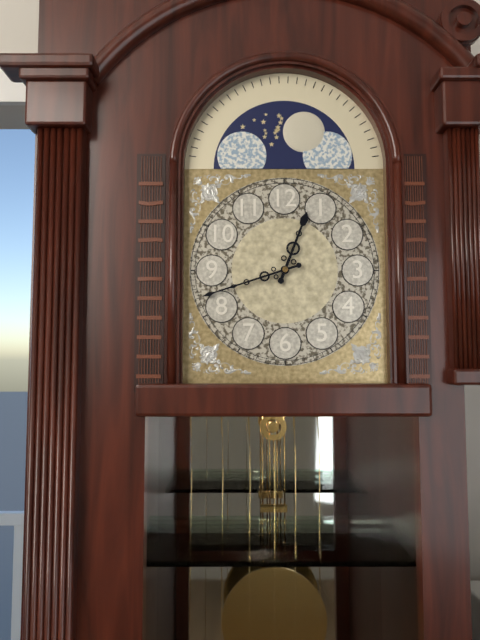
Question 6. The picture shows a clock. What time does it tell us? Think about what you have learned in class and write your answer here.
12:42
